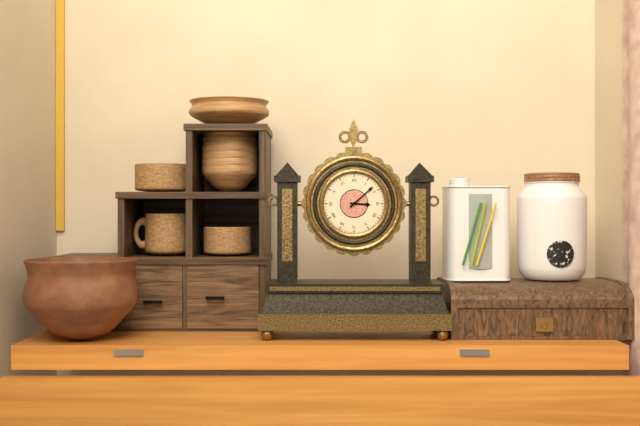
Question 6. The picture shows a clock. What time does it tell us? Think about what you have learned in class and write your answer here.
3:08
